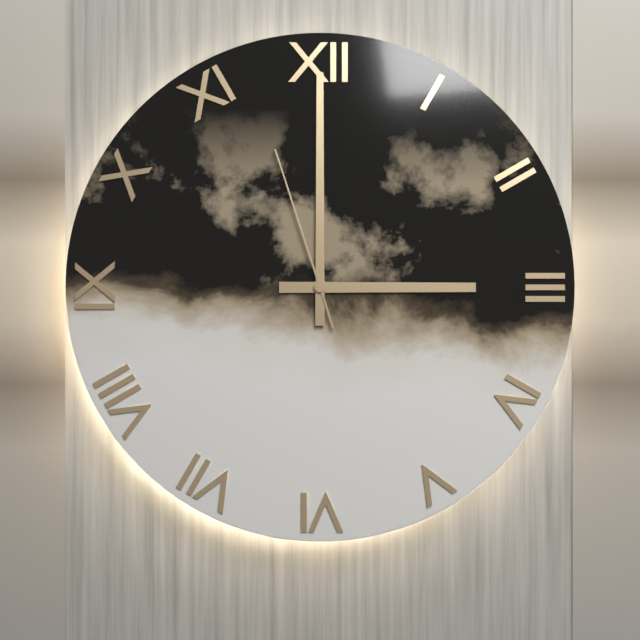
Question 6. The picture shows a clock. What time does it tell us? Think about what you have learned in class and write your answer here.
3:00:57
